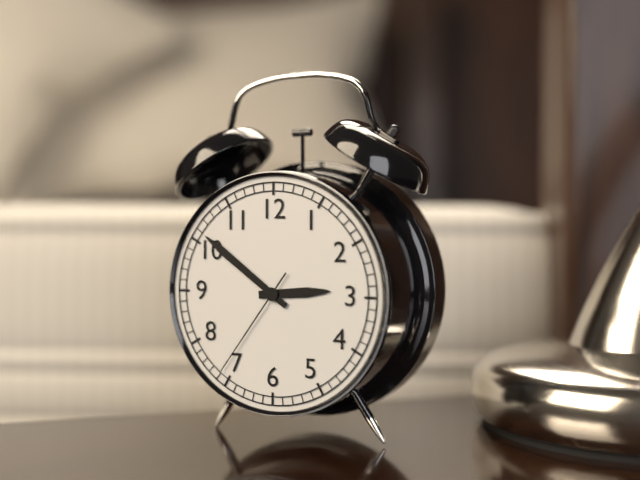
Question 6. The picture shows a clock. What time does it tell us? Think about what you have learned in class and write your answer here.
2:51:36
